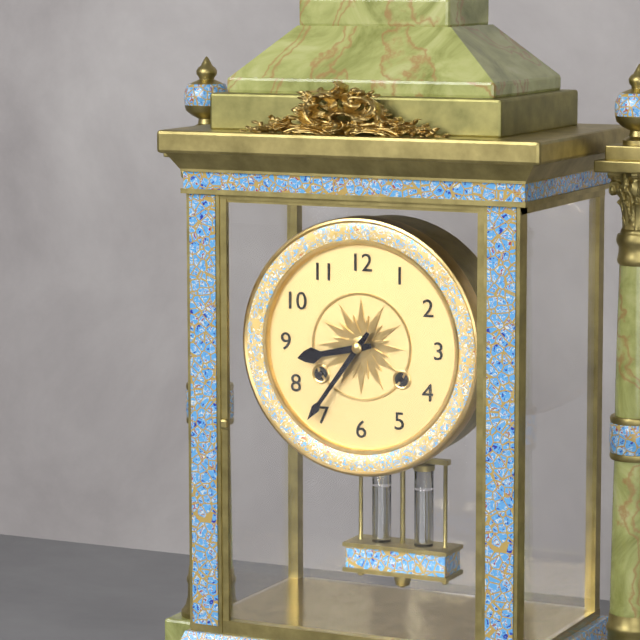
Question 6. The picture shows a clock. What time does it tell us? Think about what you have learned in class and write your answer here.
8:36
